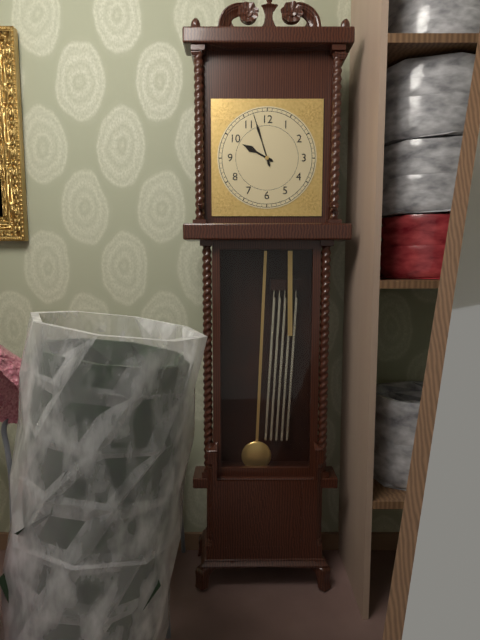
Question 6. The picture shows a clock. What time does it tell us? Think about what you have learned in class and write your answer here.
9:57
